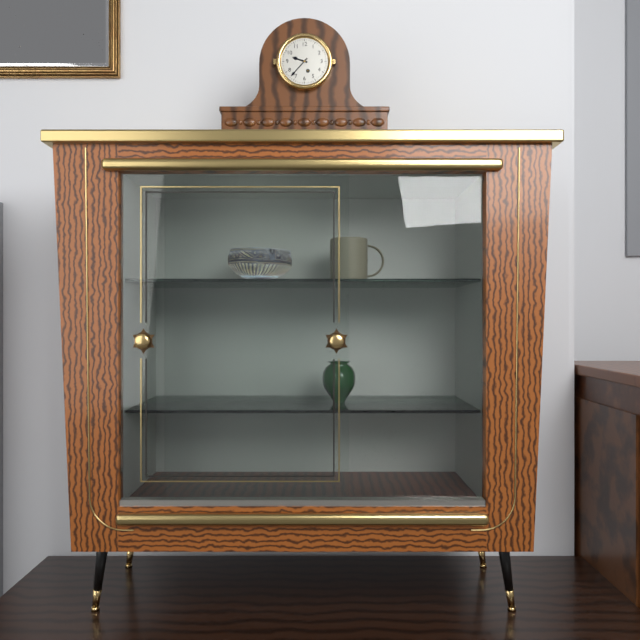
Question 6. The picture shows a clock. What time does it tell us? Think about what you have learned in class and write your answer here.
9:37
